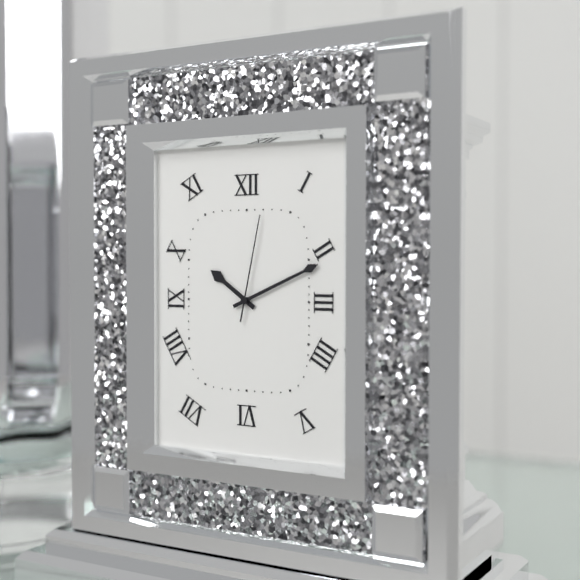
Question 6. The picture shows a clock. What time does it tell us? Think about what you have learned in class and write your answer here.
10:11:02
